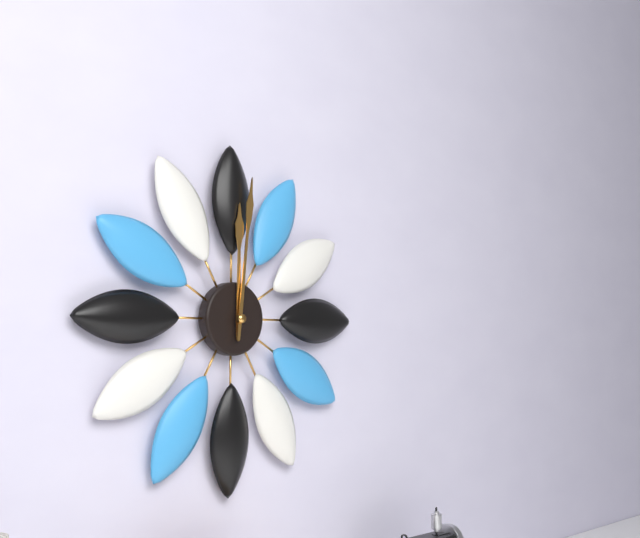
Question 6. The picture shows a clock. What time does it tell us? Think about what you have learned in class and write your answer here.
12:01
